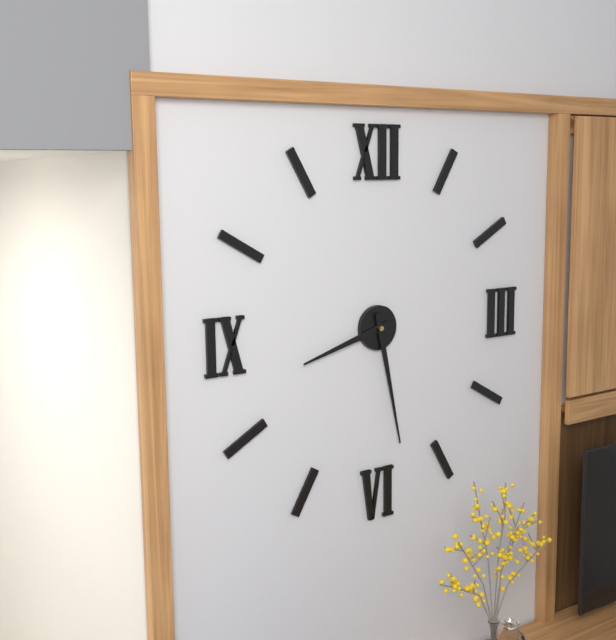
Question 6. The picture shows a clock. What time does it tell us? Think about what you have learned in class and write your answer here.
8:28
